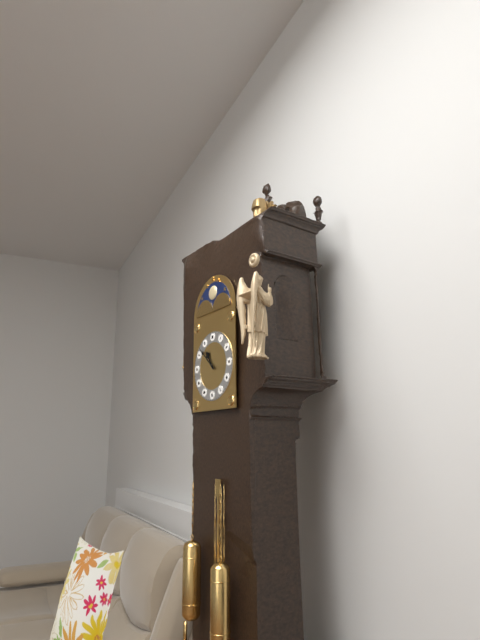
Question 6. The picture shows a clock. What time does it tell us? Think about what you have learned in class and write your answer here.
10:52
